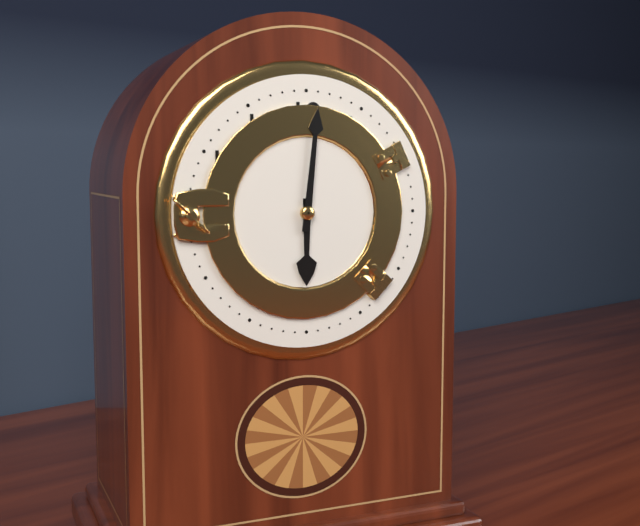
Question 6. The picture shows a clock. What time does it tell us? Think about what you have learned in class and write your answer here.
6:01
